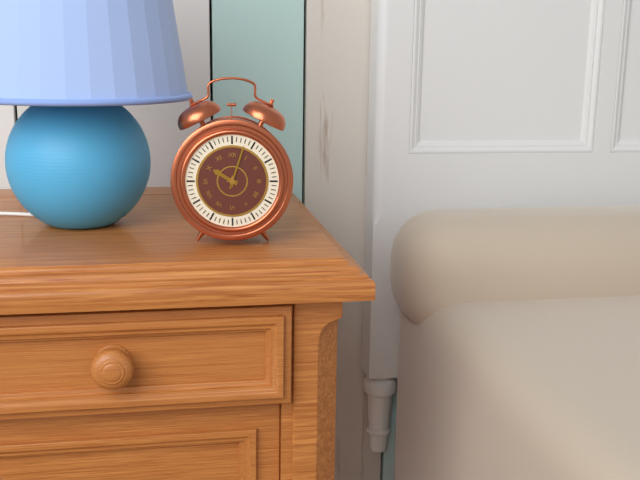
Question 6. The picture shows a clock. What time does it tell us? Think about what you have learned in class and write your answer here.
10:03
